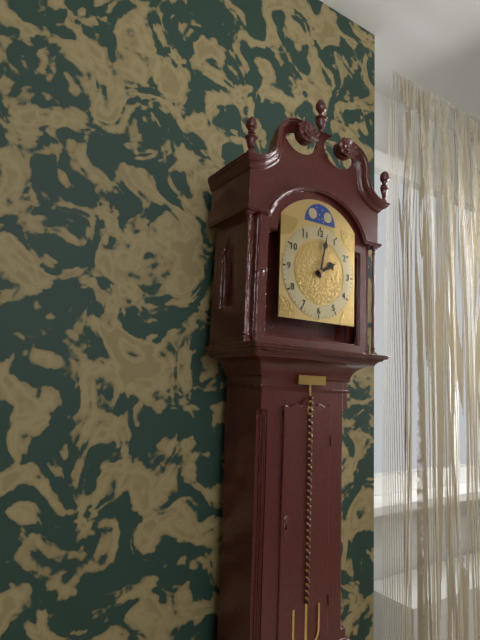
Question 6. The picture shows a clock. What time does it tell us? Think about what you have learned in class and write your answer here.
2:02
